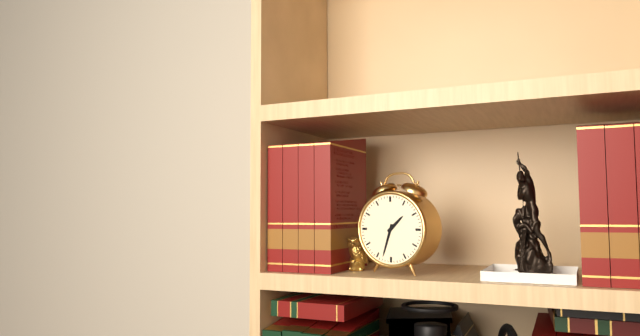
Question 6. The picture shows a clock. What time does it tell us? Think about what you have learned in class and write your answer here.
1:33
